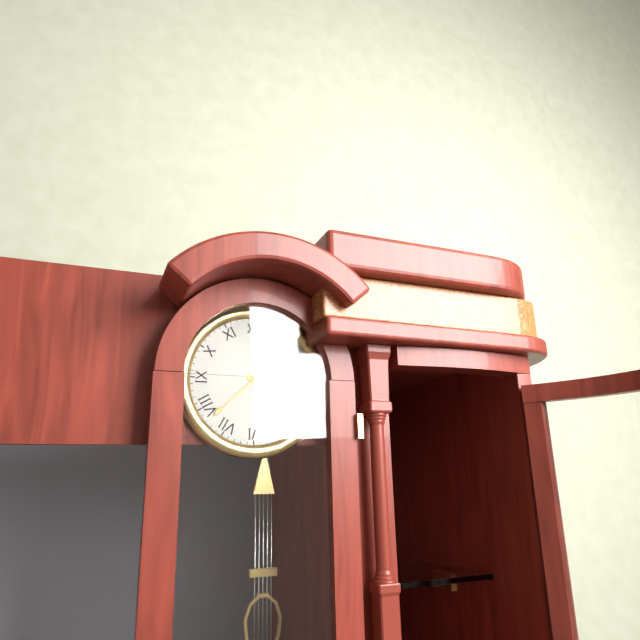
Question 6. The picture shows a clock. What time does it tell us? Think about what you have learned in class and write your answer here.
3:38
